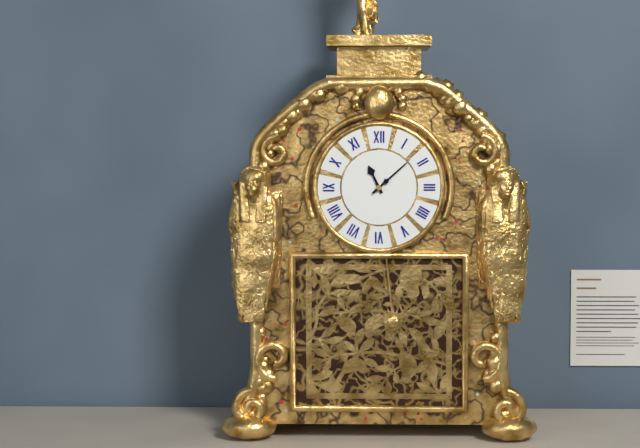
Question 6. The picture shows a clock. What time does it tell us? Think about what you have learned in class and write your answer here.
11:08
